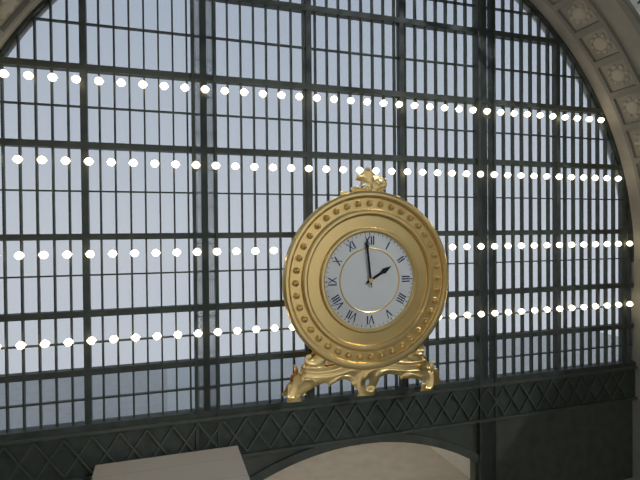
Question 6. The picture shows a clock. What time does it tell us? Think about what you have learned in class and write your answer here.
1:59
